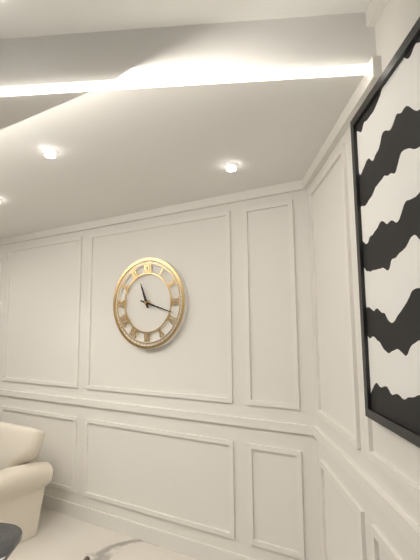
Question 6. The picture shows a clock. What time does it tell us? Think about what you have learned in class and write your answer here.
11:18
